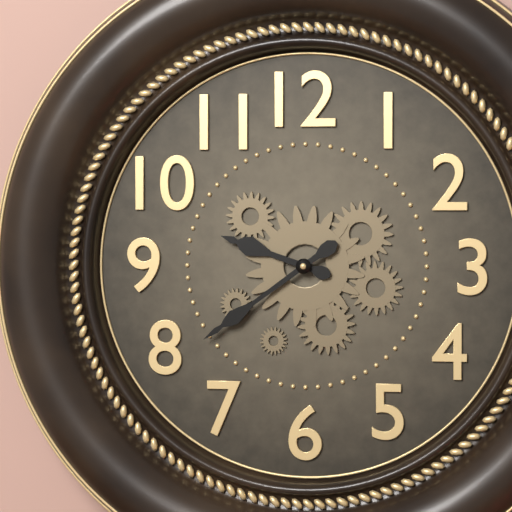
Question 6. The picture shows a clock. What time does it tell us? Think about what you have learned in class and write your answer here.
9:39
